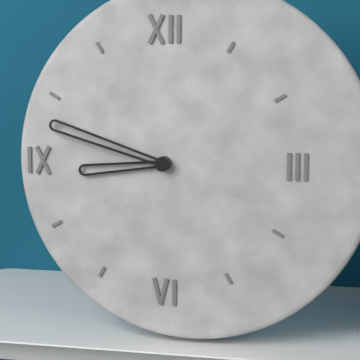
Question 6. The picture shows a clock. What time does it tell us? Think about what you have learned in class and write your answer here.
8:48
